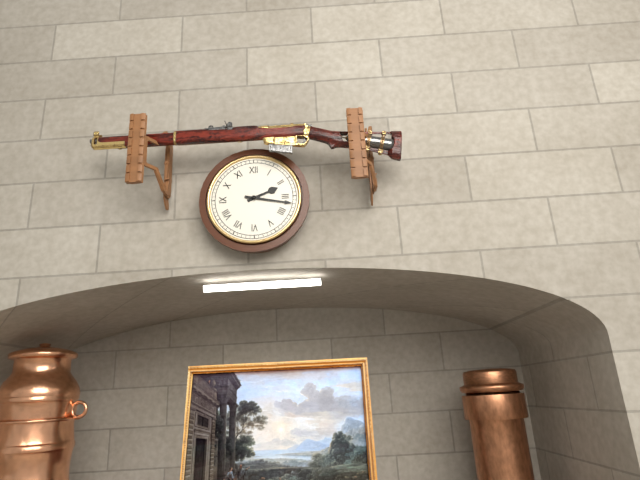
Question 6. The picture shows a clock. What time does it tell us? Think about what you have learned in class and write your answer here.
2:17
